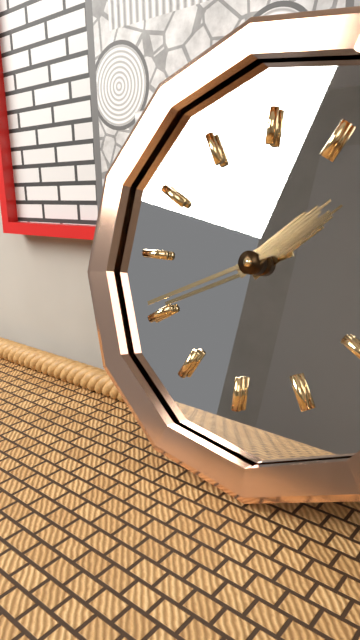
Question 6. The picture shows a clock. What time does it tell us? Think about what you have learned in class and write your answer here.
1:41
